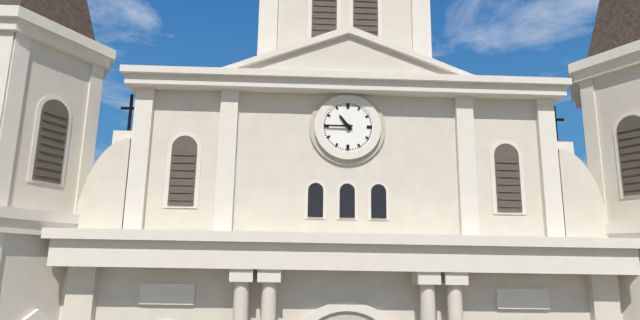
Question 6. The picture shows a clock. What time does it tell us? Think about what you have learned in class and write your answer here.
10:45
